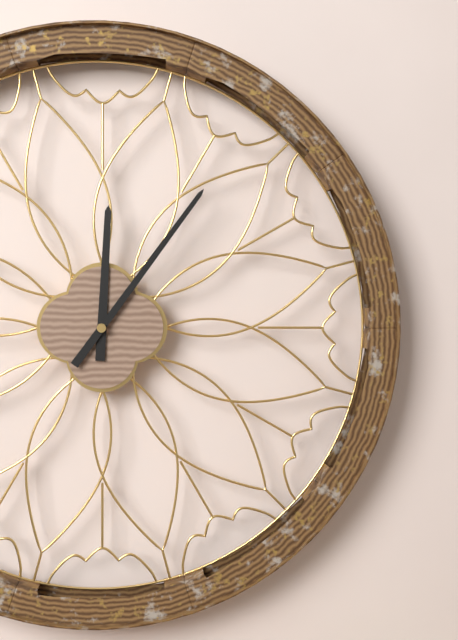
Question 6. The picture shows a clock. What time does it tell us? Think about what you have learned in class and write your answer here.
12:06
